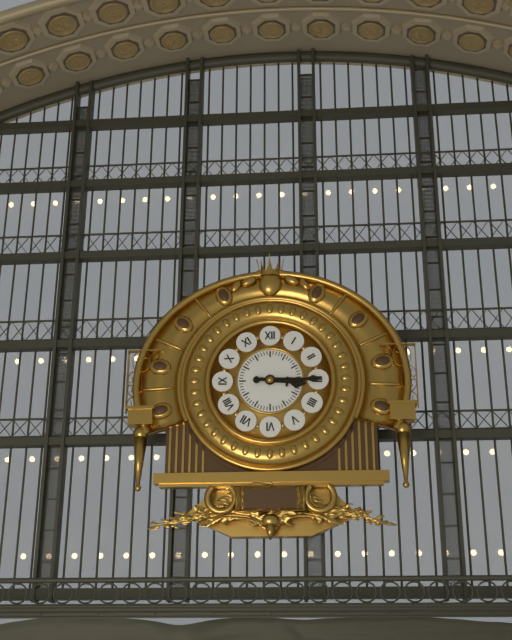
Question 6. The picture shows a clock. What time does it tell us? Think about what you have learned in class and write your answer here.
3:15
